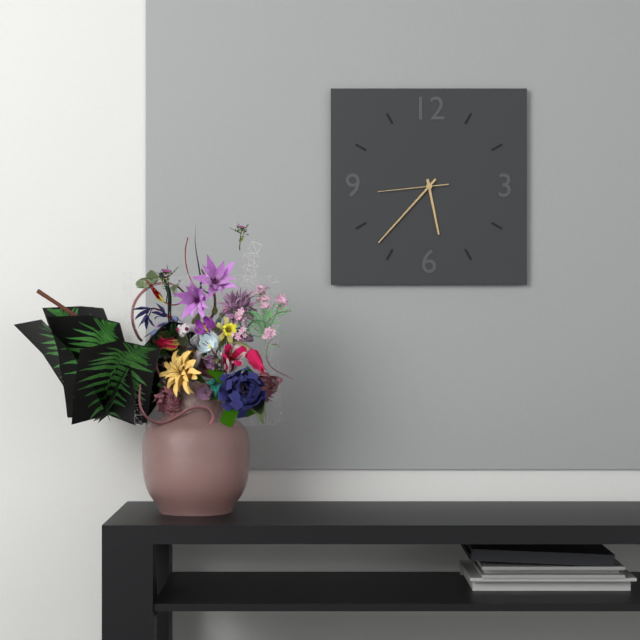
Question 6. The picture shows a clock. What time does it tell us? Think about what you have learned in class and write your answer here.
5:37:44
